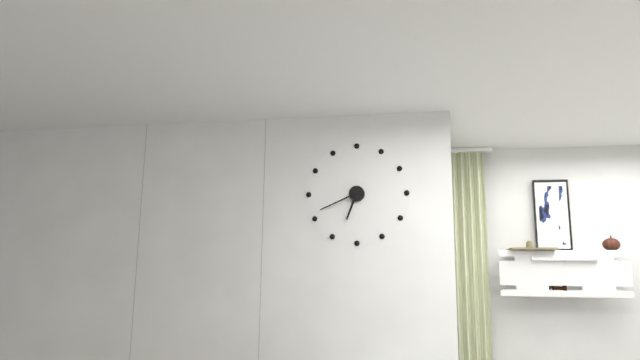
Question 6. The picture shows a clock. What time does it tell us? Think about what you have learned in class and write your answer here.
6:41
